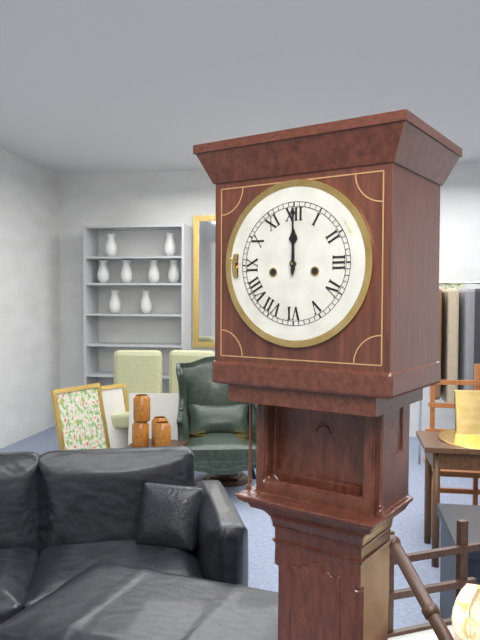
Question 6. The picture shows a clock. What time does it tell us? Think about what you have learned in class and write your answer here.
12:00
